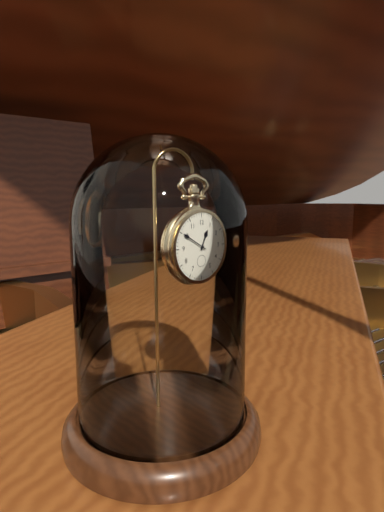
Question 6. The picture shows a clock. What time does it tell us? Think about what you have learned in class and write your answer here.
12:50
